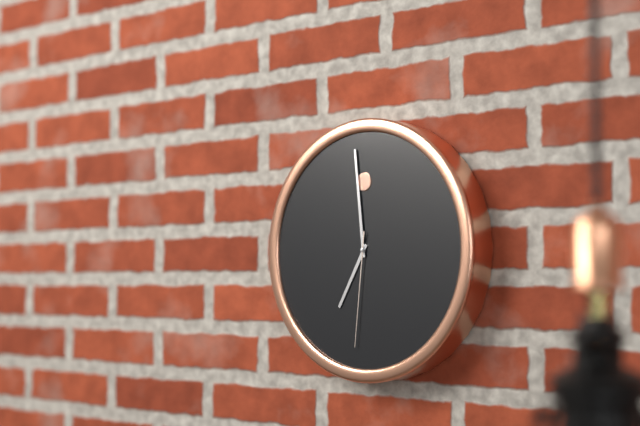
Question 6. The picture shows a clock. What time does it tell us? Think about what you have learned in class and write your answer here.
6:59:31
